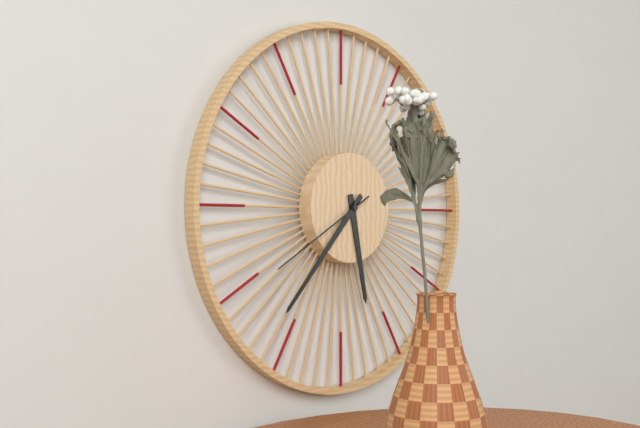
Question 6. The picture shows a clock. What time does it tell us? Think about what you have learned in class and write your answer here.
5:37:40
